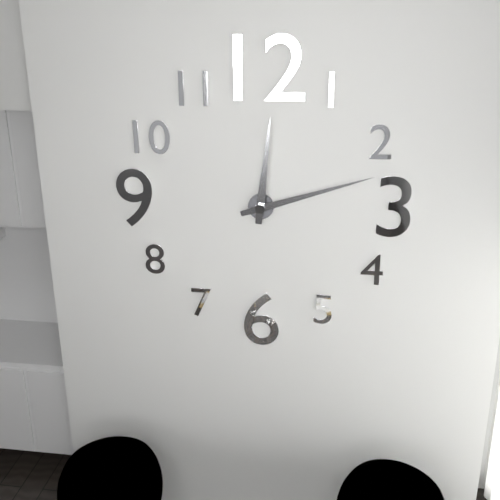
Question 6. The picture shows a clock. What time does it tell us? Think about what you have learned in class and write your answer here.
12:12
